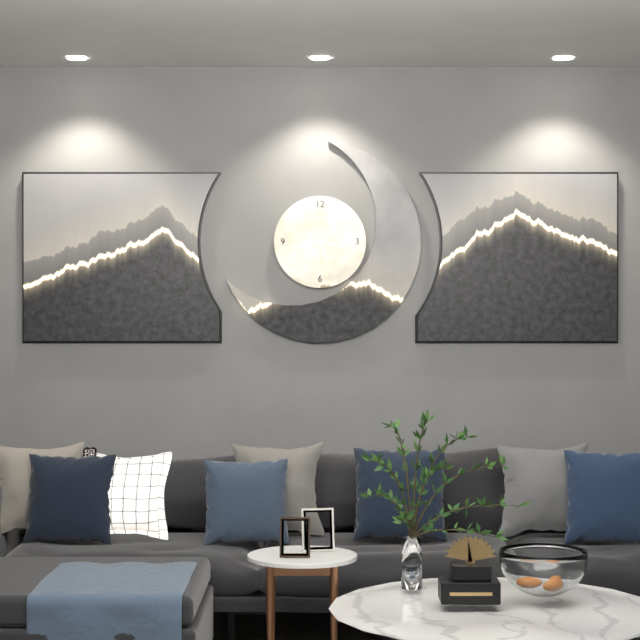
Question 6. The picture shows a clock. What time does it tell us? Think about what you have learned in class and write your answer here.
3:28
